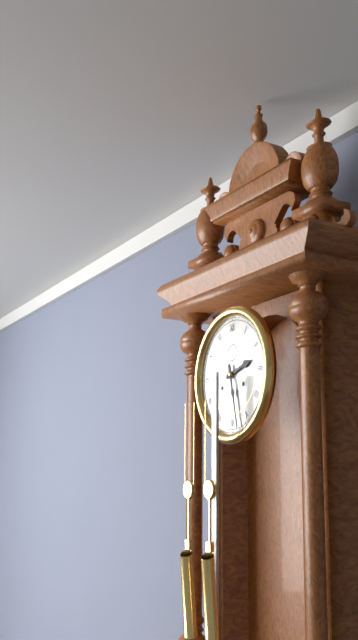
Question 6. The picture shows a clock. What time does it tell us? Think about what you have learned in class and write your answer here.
2:28
